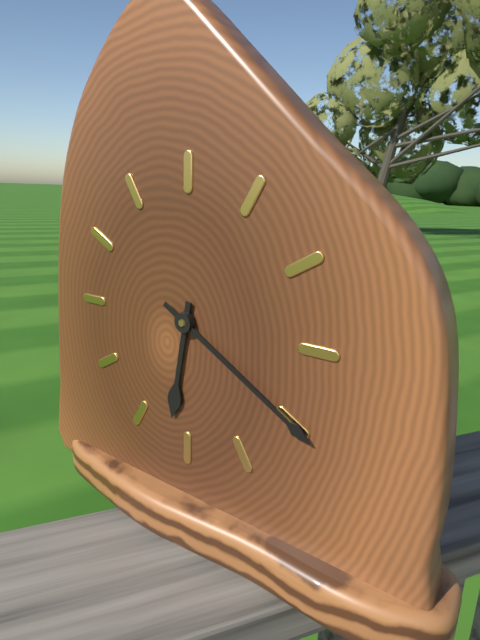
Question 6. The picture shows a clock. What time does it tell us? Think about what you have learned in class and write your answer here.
6:20
